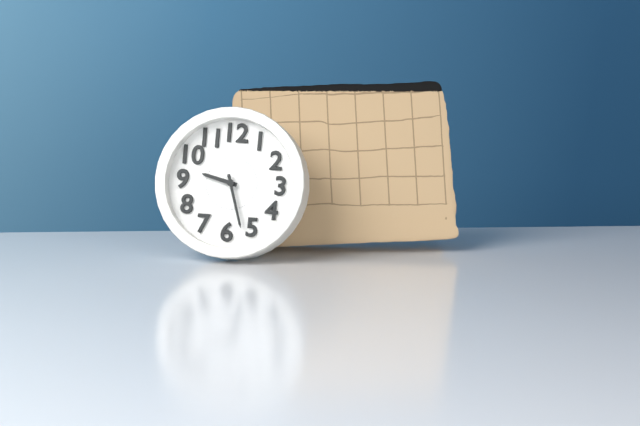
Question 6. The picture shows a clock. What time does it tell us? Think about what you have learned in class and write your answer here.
9:27
